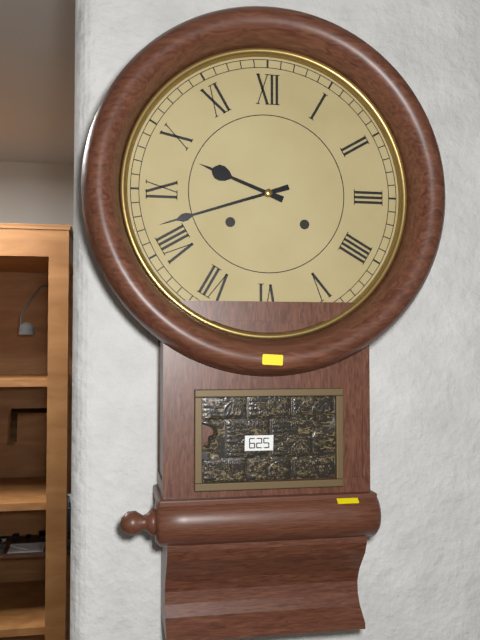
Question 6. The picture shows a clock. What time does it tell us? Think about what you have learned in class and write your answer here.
9:42
